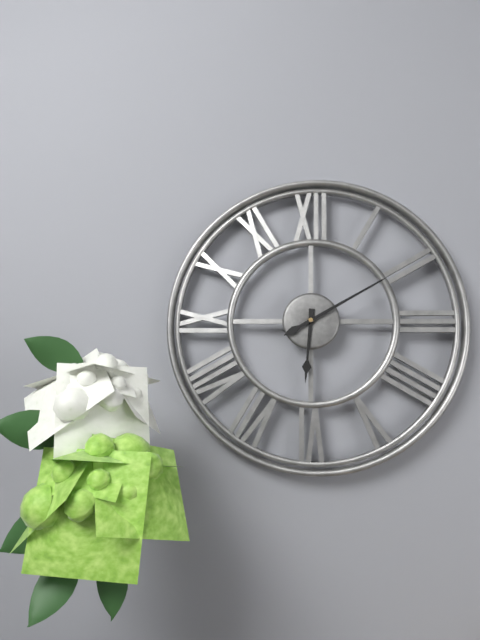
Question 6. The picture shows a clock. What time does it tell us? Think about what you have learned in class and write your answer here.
6:10
